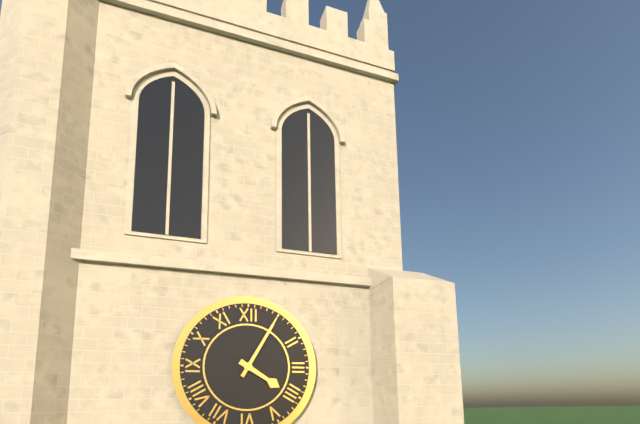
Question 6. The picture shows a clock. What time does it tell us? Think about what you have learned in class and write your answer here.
4:05
